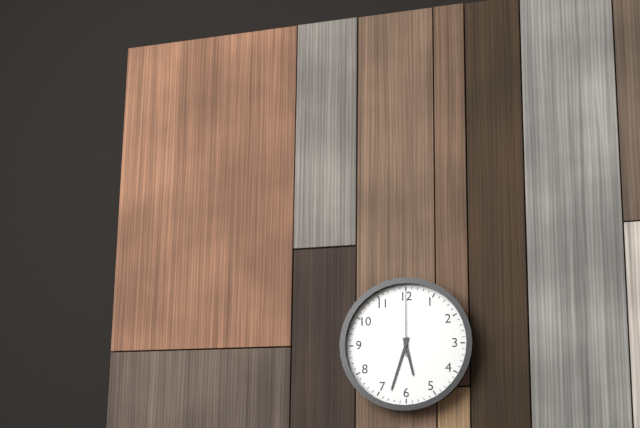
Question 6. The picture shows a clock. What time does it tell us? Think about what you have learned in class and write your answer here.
5:33:00
